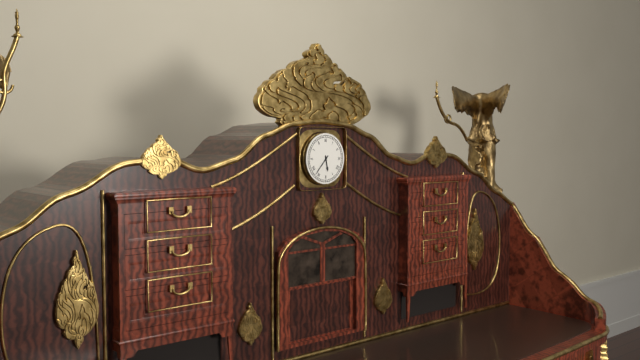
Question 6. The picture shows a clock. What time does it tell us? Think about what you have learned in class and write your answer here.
5:37
